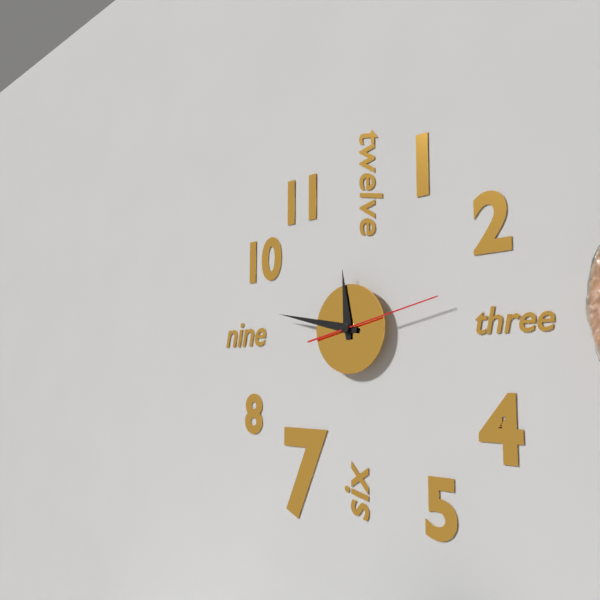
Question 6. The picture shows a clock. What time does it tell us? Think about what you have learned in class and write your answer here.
11:47:13
